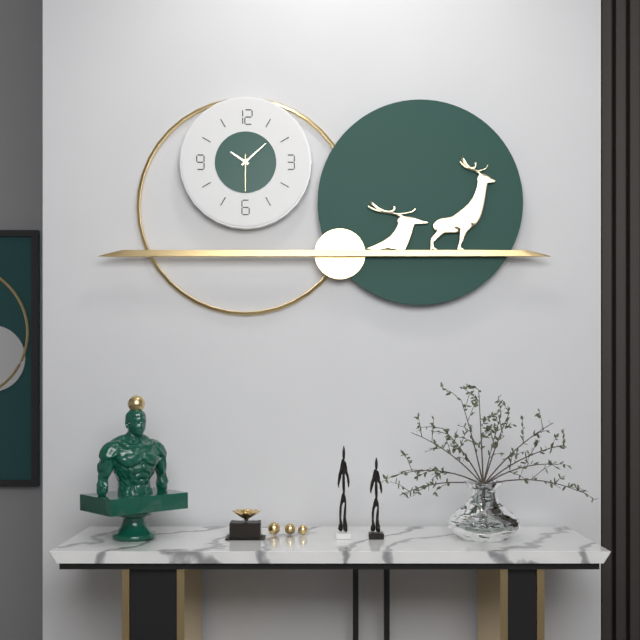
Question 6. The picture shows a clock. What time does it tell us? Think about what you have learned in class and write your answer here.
10:08
